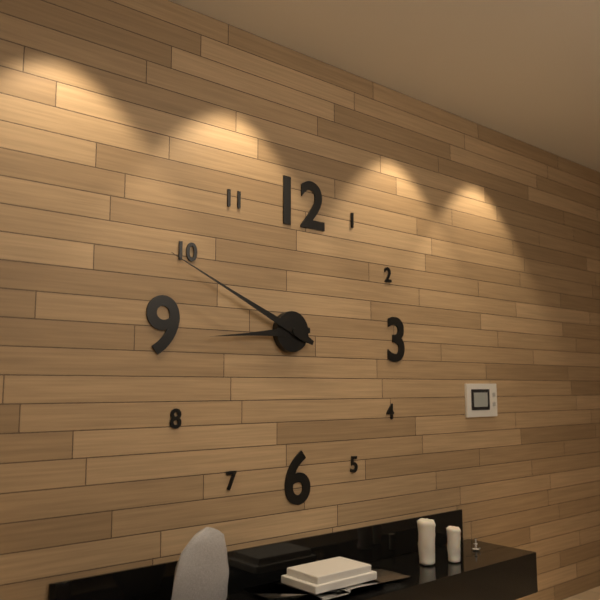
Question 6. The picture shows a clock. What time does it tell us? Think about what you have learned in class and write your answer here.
8:49
